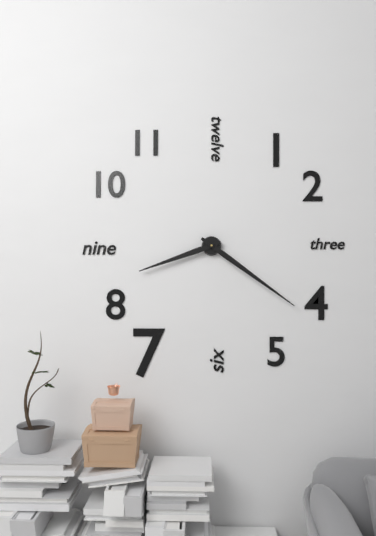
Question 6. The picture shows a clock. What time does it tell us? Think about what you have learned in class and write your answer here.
8:21
